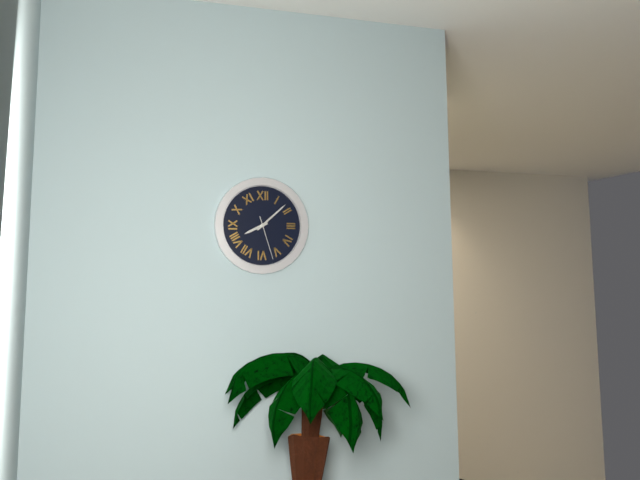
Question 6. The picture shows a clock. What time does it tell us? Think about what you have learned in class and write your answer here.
8:08
